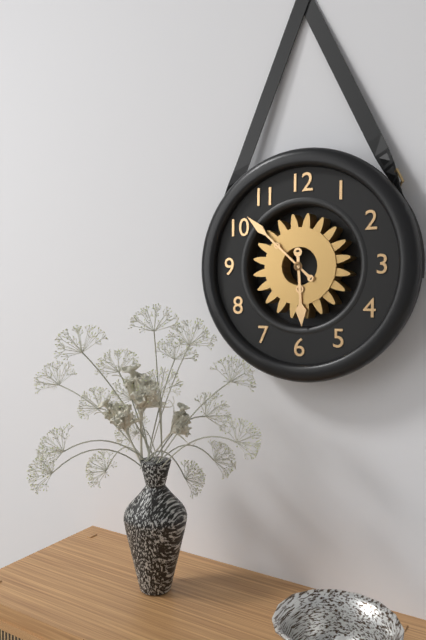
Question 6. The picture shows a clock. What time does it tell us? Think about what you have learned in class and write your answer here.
5:52
